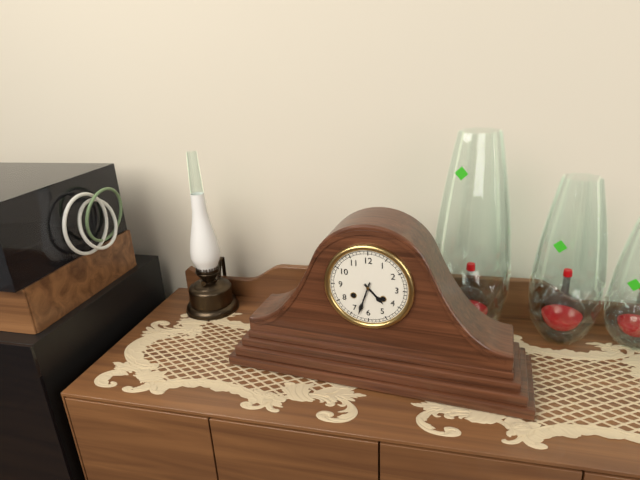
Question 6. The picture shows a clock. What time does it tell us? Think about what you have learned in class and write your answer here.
4:33
